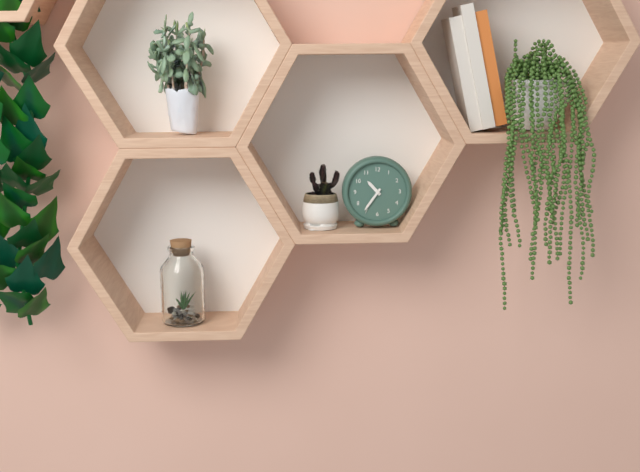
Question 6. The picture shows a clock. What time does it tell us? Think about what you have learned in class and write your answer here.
10:36
